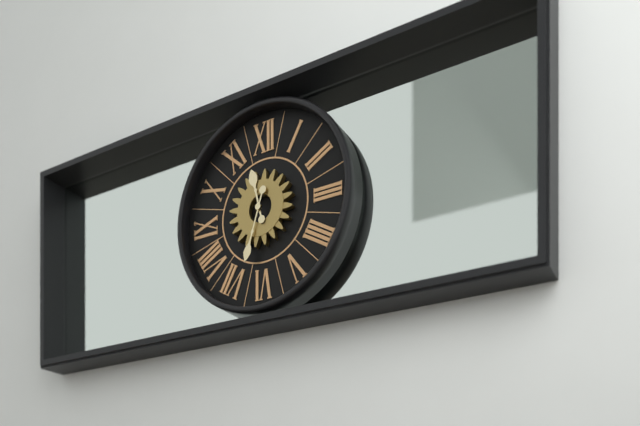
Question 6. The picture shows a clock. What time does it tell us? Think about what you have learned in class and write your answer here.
11:33
